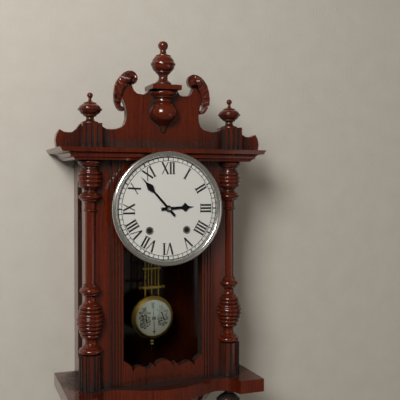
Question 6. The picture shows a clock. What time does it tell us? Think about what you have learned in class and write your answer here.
2:53
